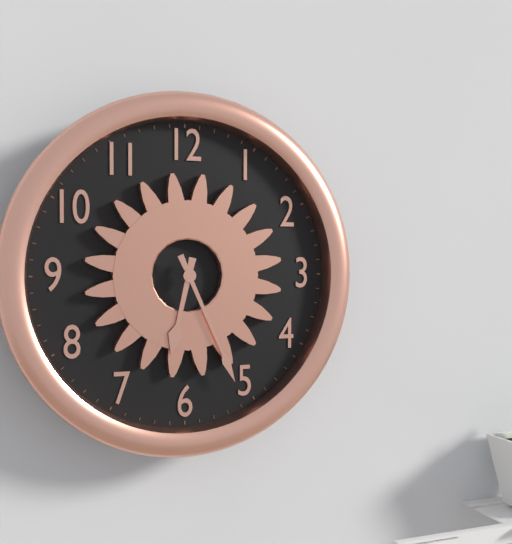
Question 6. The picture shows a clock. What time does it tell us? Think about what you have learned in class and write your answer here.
6:26
